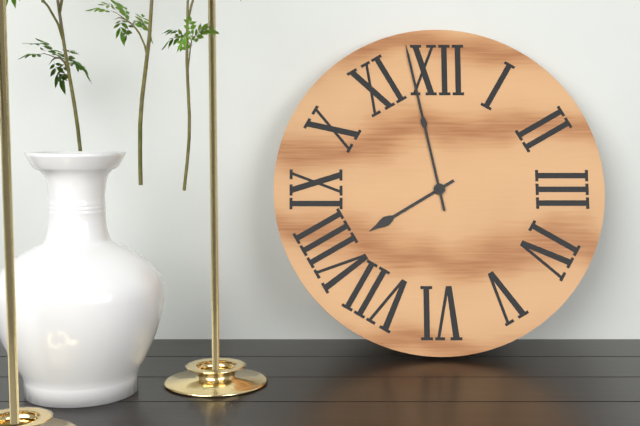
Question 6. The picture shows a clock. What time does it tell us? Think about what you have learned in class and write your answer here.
7:58
